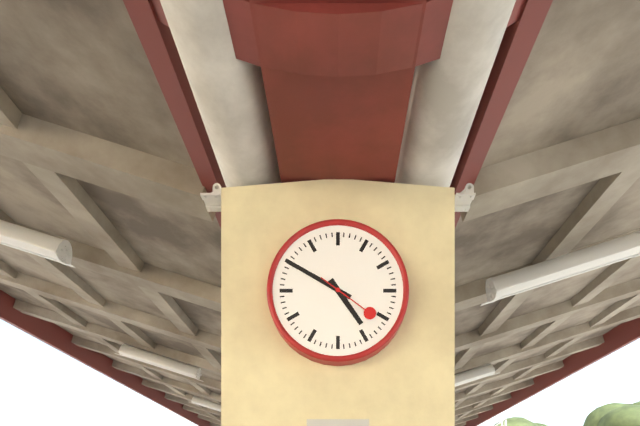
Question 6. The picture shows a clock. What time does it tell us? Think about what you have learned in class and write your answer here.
4:50:21
